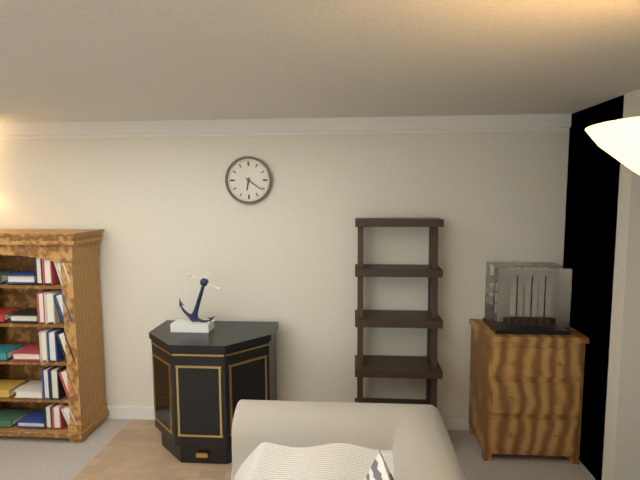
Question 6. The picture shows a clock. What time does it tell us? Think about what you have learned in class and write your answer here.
6:21
